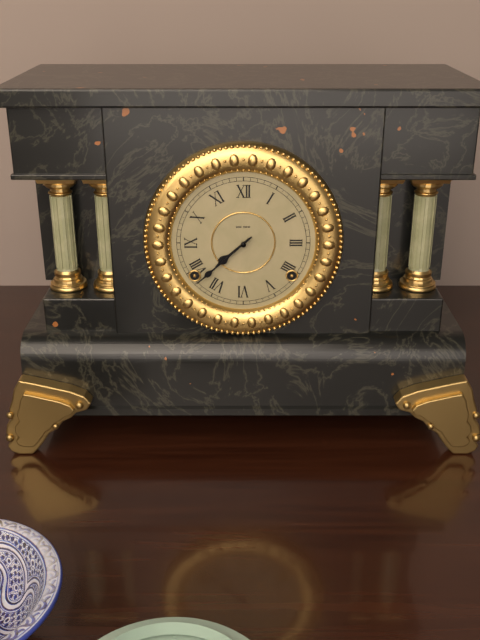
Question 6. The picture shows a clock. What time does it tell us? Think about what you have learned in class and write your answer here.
7:38
